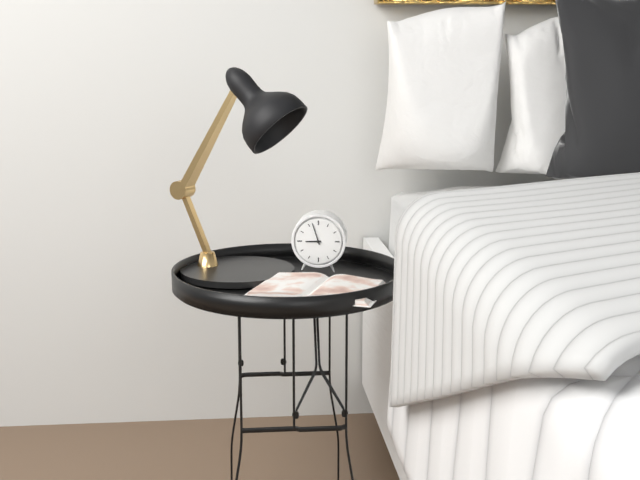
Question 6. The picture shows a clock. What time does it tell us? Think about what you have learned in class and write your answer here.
8:57
